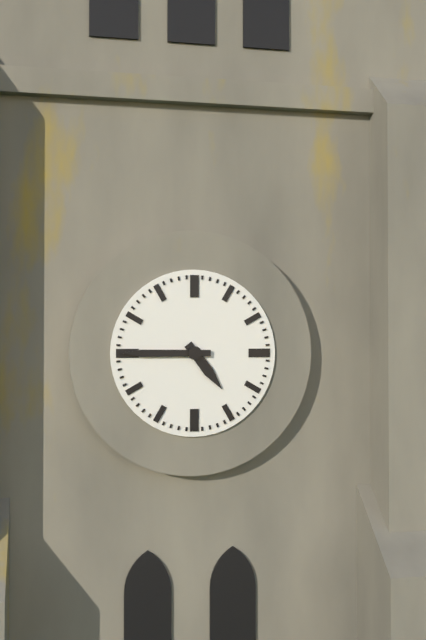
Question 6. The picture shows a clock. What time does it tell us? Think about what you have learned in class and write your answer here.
4:45
